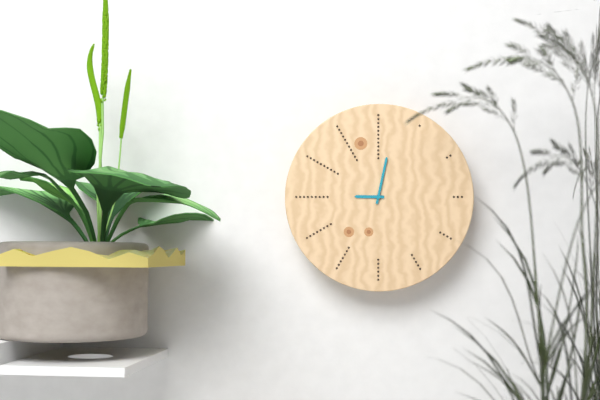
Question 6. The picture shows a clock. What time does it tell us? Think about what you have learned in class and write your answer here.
9:02
